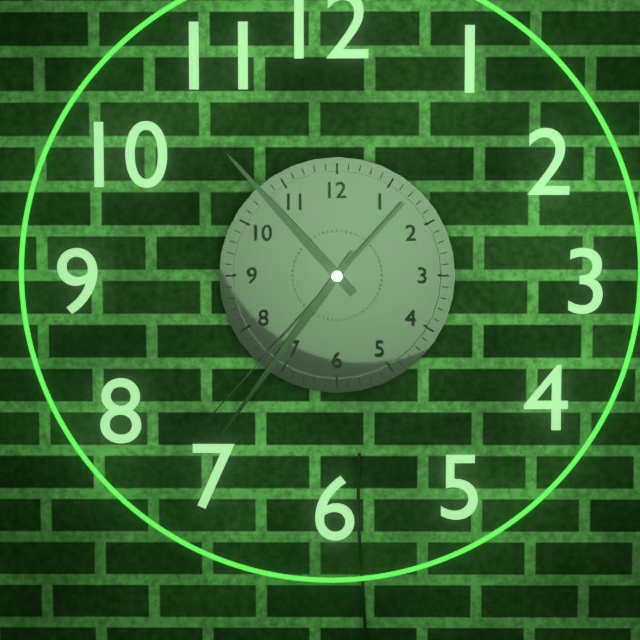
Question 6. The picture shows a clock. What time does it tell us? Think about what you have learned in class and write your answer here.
10:36:37
